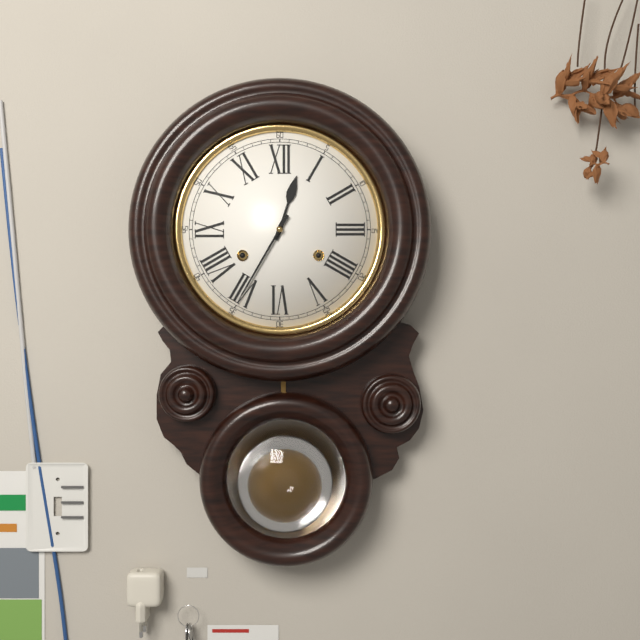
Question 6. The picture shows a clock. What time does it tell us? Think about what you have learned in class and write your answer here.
12:35
